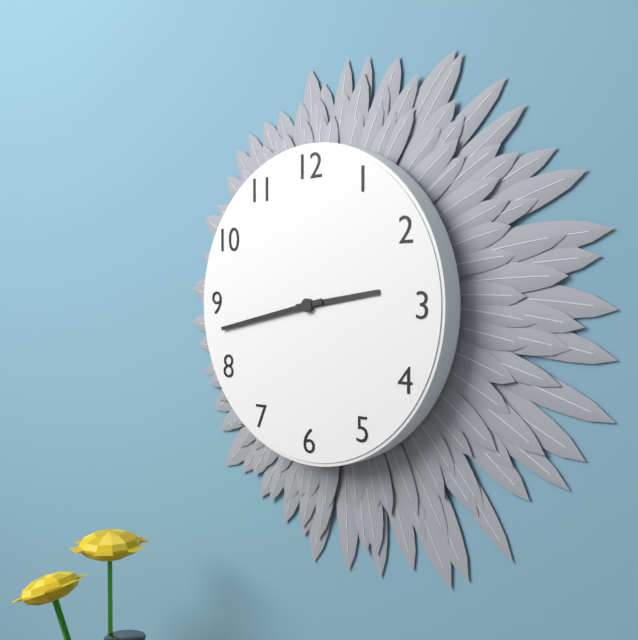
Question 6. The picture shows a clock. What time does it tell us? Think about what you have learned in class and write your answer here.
2:43
